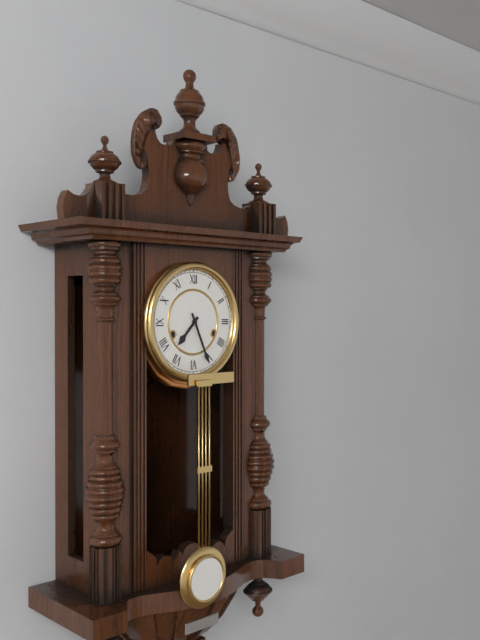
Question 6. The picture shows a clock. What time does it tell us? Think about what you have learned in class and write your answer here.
7:26
